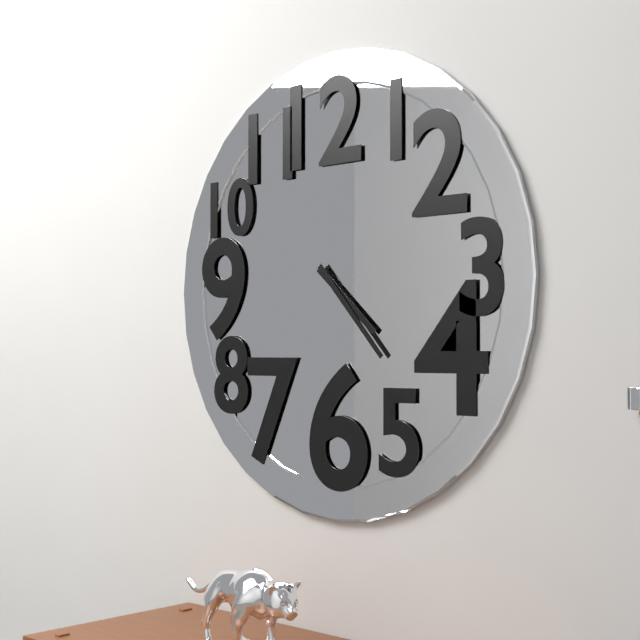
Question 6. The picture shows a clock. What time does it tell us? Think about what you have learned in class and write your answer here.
4:23
